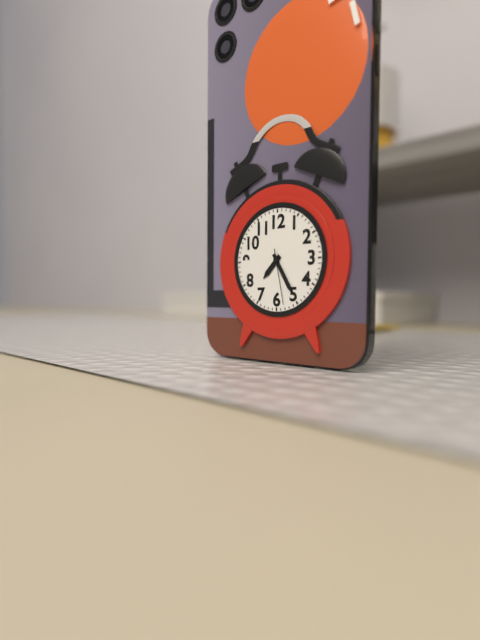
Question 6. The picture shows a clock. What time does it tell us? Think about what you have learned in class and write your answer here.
7:25:28
